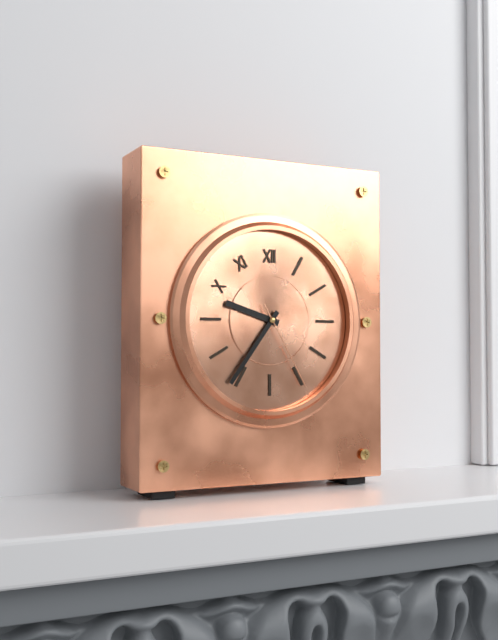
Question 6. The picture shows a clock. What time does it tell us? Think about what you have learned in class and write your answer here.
9:36:25
